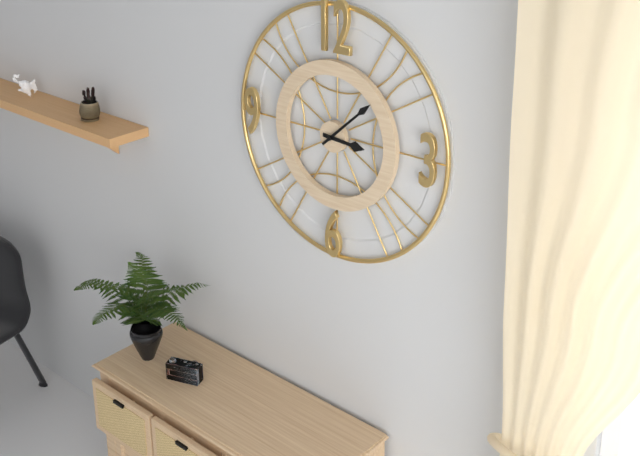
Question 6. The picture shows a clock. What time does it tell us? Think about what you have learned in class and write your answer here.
3:08
